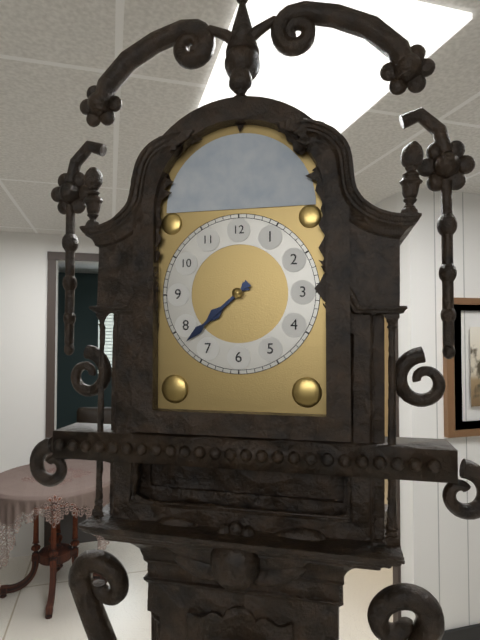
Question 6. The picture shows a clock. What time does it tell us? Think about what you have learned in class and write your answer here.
7:38
